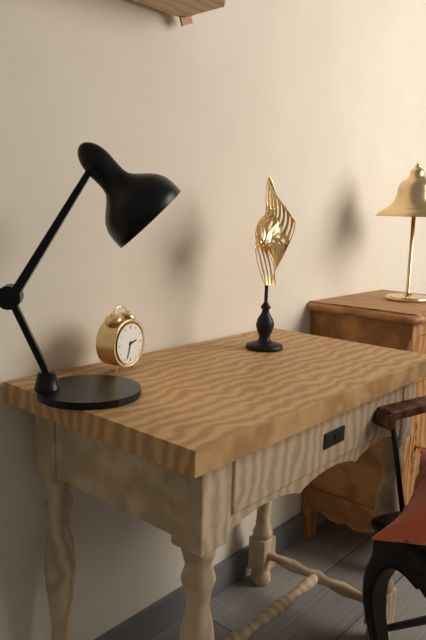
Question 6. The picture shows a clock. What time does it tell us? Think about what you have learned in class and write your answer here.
2:33
